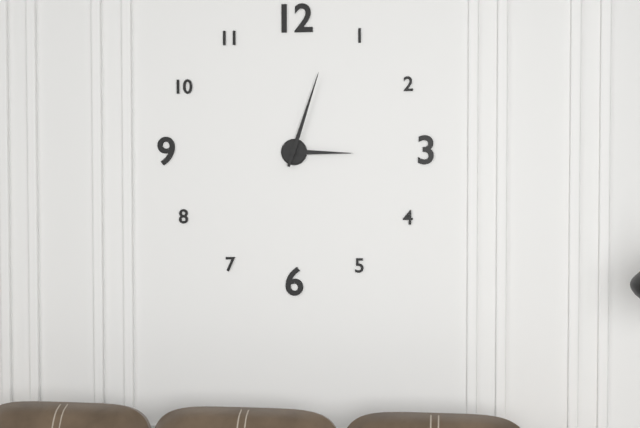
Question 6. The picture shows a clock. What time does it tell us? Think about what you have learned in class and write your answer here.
3:03
